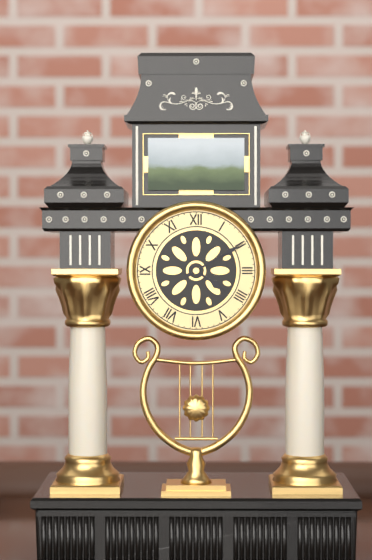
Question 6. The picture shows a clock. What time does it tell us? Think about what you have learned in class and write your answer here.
4:10
